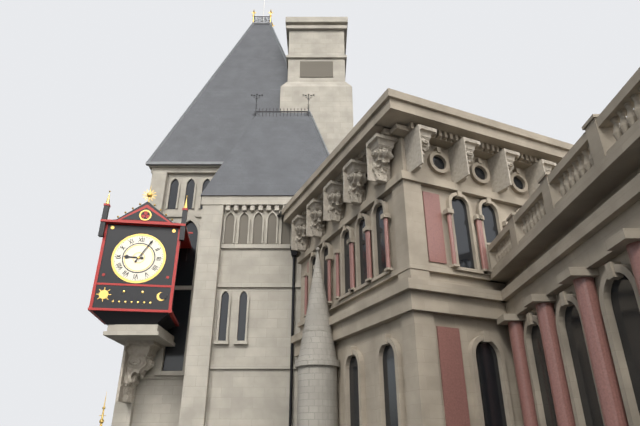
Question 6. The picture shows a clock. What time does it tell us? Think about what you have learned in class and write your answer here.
9:05
